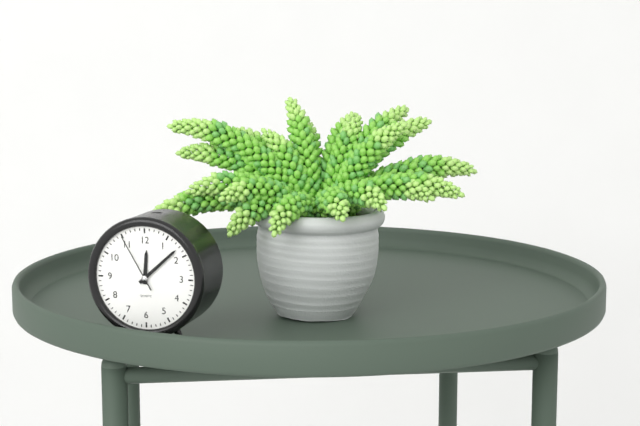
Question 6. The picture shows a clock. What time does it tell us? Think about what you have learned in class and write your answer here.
12:08:55
